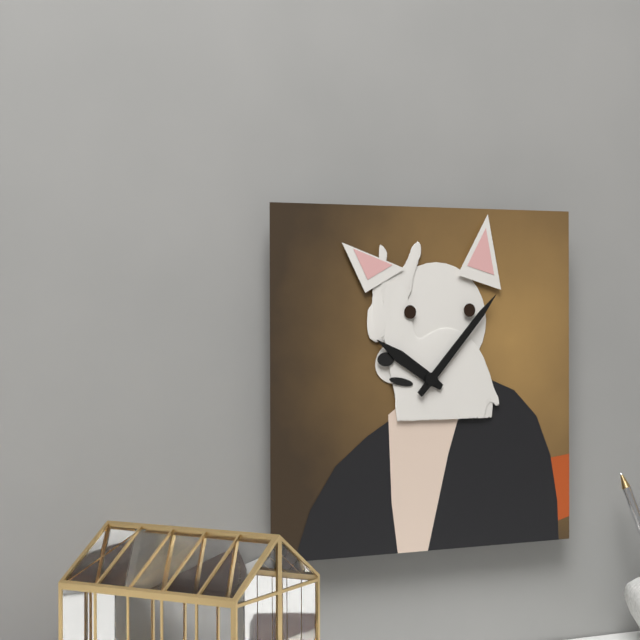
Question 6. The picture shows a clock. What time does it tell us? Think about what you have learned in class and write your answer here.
10:07
